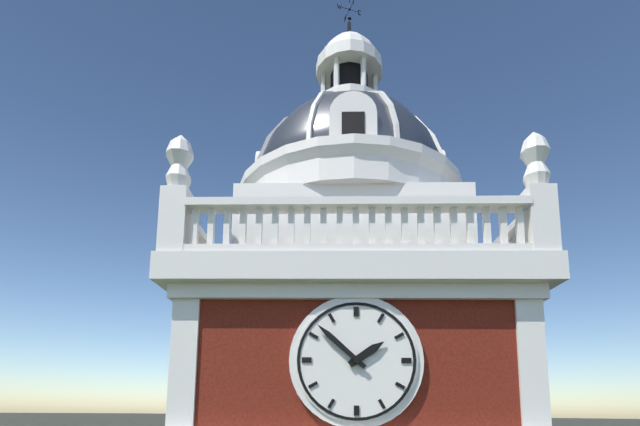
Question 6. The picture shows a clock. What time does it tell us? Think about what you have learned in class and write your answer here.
1:52
